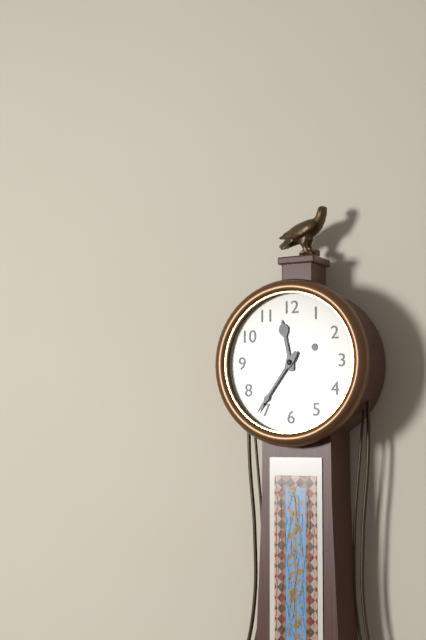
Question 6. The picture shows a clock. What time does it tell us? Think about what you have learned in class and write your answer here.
11:36
